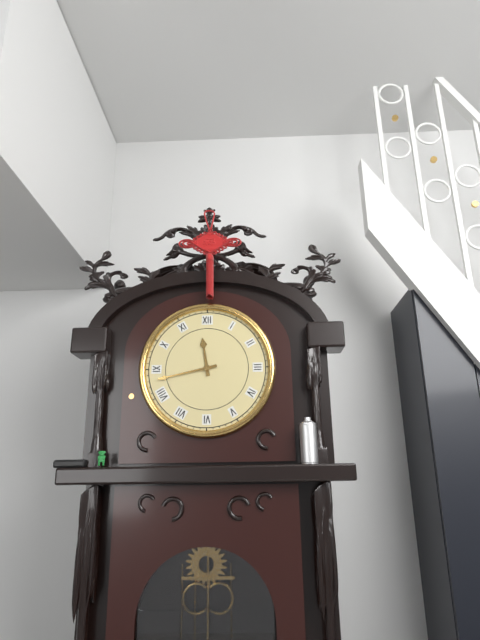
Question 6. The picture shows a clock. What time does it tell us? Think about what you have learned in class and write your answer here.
11:43
